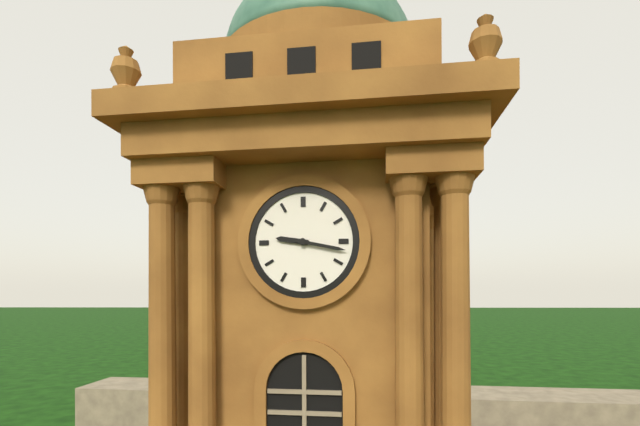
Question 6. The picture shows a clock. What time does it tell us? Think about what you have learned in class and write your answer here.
9:17
